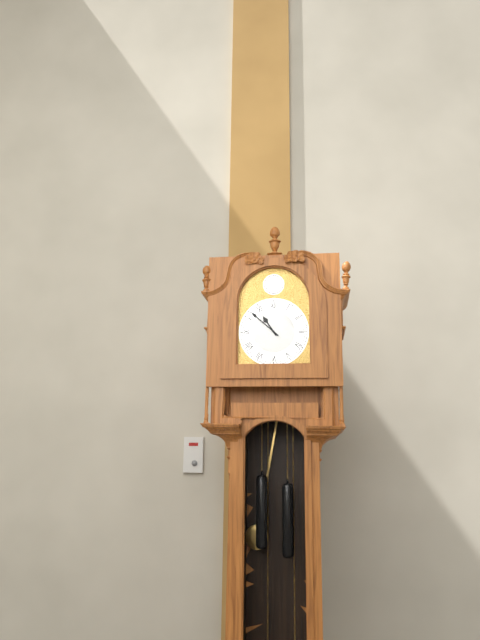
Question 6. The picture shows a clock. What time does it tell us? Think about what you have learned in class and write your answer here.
10:52
